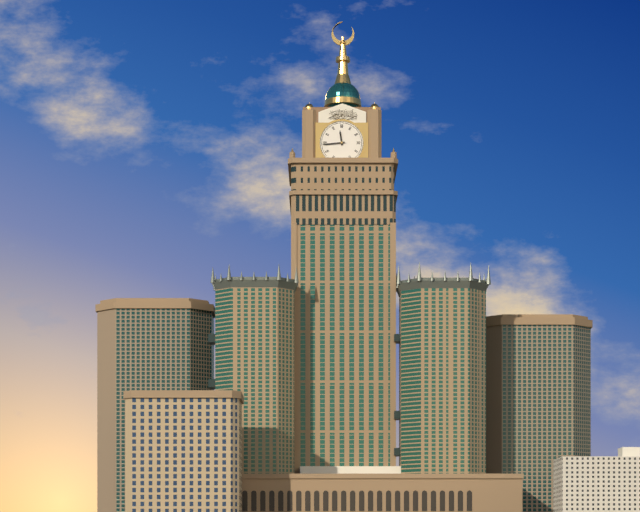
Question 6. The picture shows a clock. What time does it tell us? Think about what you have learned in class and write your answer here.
11:44
